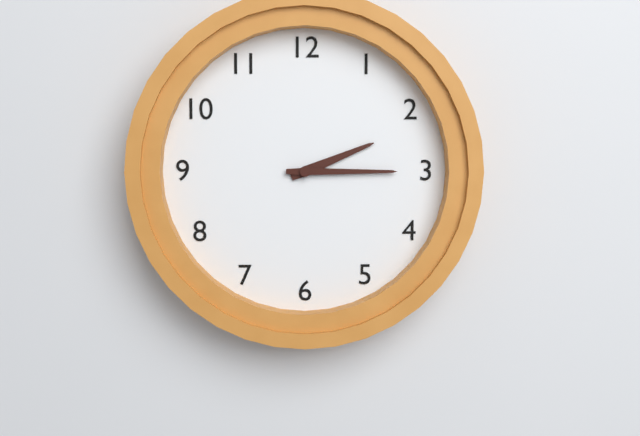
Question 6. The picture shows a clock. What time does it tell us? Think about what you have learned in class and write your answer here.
2:15
